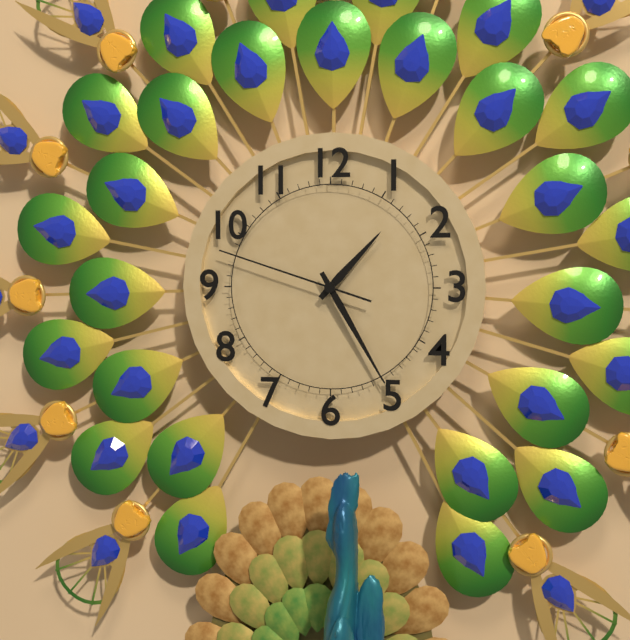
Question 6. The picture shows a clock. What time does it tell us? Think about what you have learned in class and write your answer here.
1:25:48
